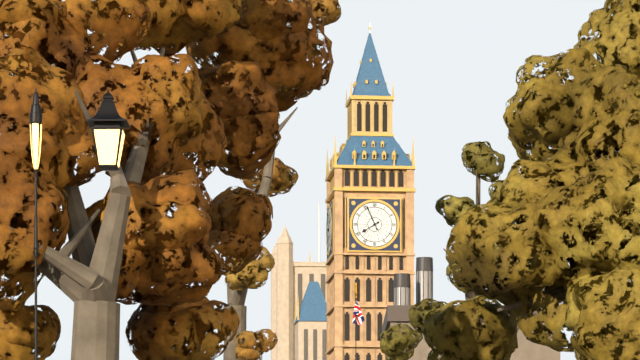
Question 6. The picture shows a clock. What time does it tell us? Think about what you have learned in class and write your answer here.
7:56
